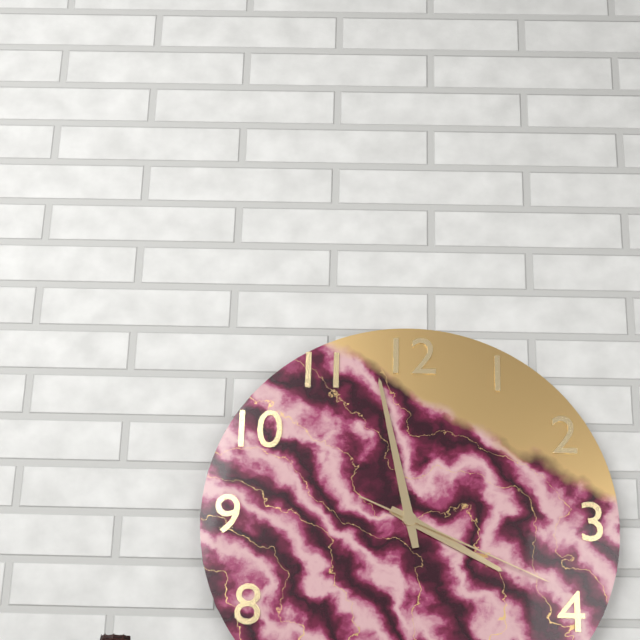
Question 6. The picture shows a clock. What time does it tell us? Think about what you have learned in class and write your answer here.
3:58:19
